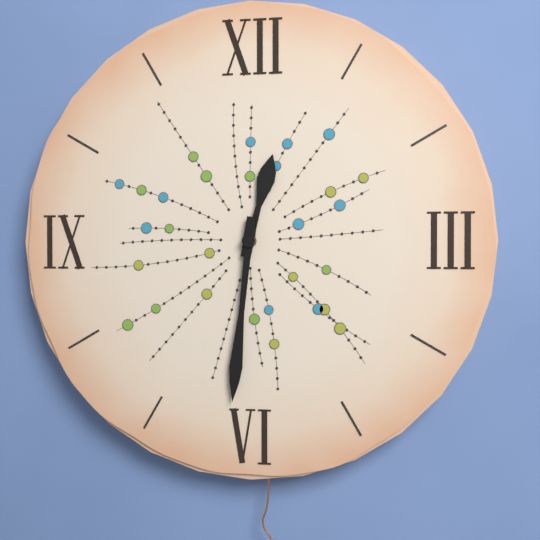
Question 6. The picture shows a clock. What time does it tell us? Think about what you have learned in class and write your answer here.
12:31
